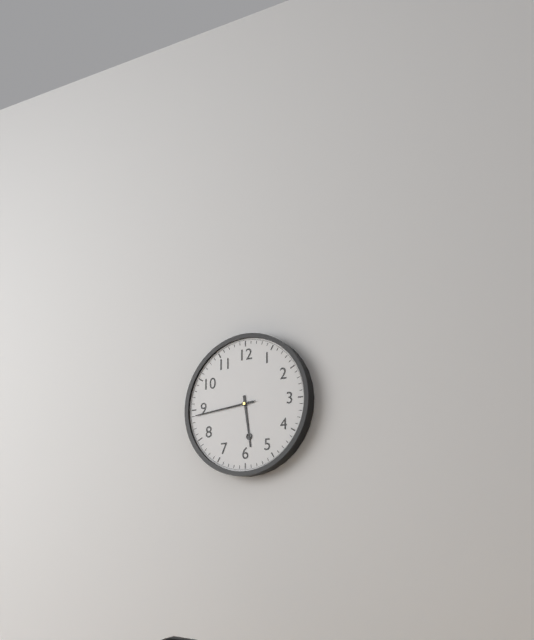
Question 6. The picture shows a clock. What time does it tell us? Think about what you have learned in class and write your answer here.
5:44:44
